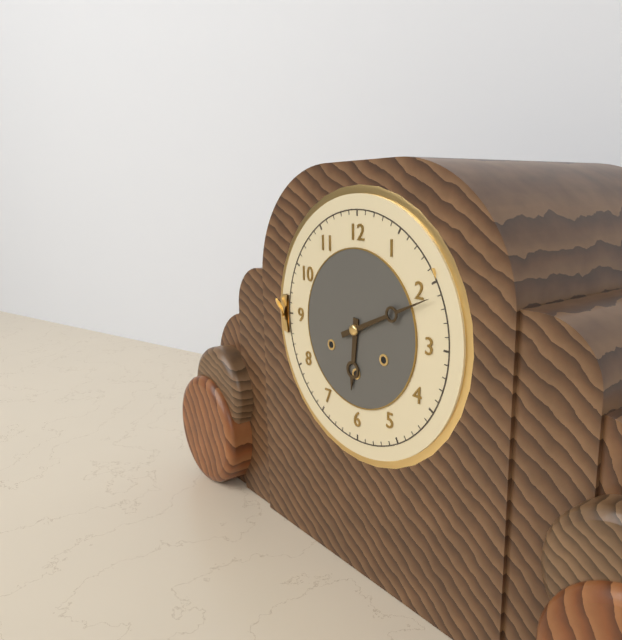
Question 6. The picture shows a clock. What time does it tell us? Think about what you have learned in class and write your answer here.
6:11
